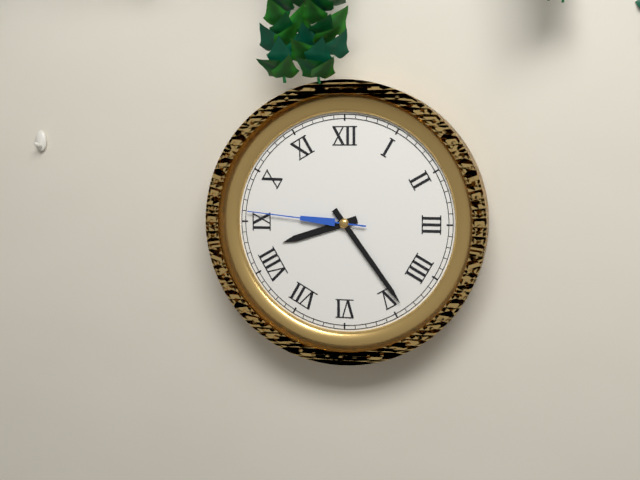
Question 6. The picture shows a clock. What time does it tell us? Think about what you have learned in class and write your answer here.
8:24:46
